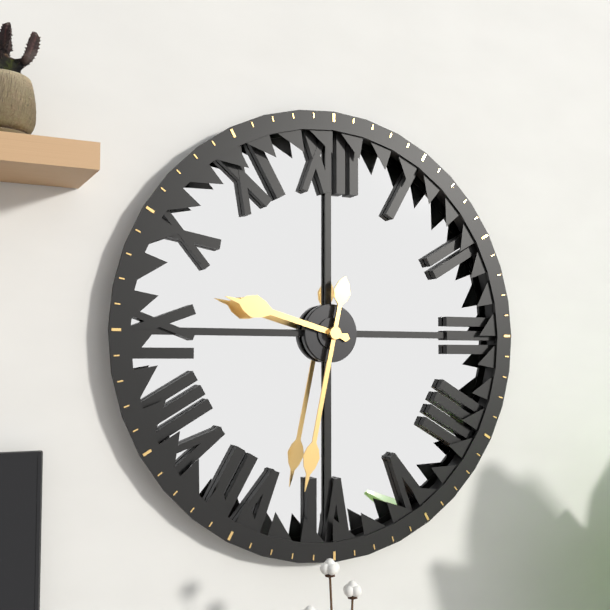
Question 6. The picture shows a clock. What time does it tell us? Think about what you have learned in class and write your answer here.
9:32
